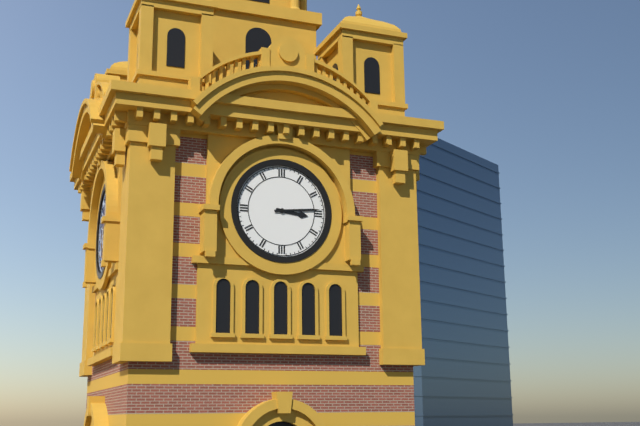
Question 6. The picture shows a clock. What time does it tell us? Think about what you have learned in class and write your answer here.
3:14
